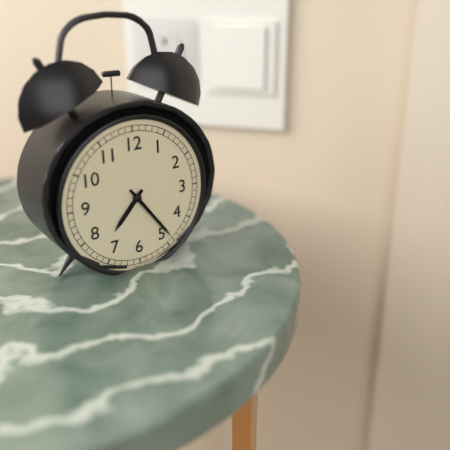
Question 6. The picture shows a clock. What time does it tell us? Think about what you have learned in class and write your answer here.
7:24
